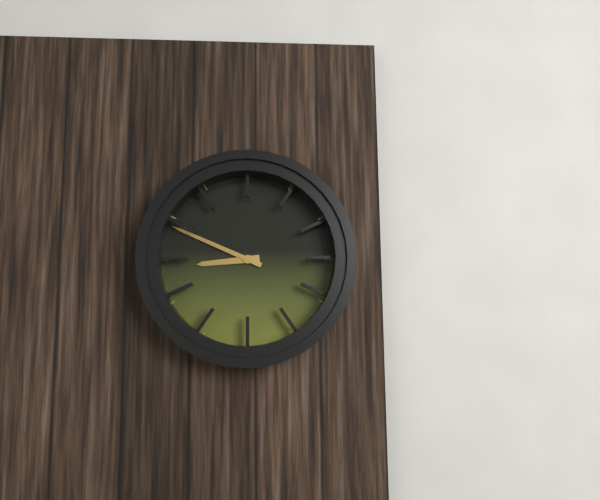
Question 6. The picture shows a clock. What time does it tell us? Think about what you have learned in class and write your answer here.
8:49
